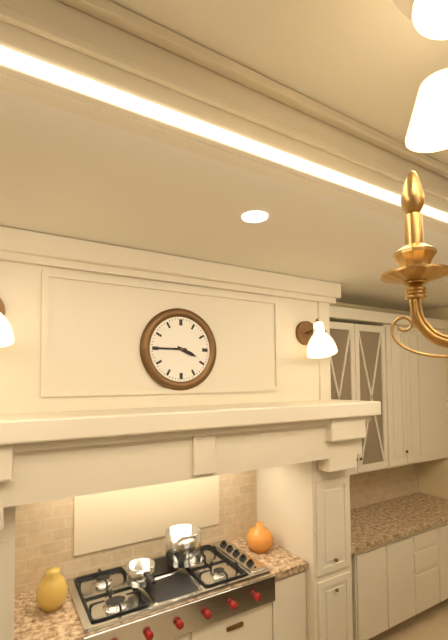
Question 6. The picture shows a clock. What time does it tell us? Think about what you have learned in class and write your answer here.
3:45
